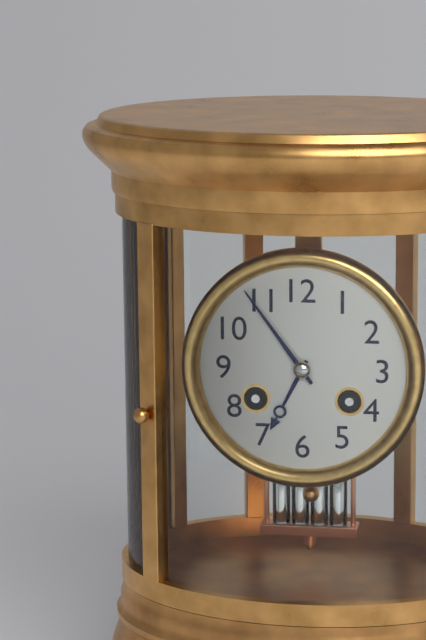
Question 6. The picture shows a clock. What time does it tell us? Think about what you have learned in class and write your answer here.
6:54
